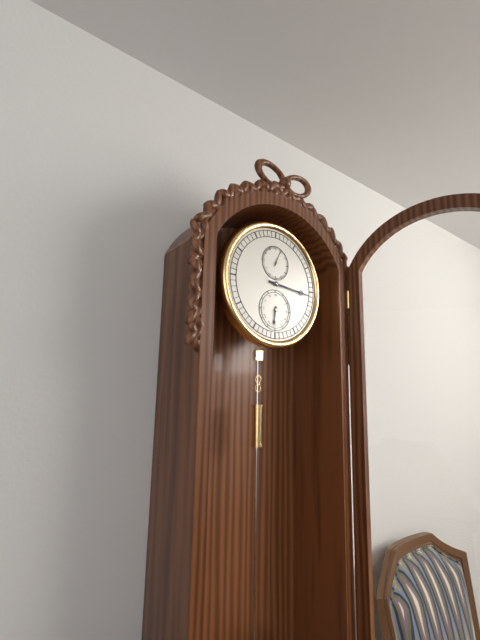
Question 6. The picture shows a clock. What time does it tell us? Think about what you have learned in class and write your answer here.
6:16
